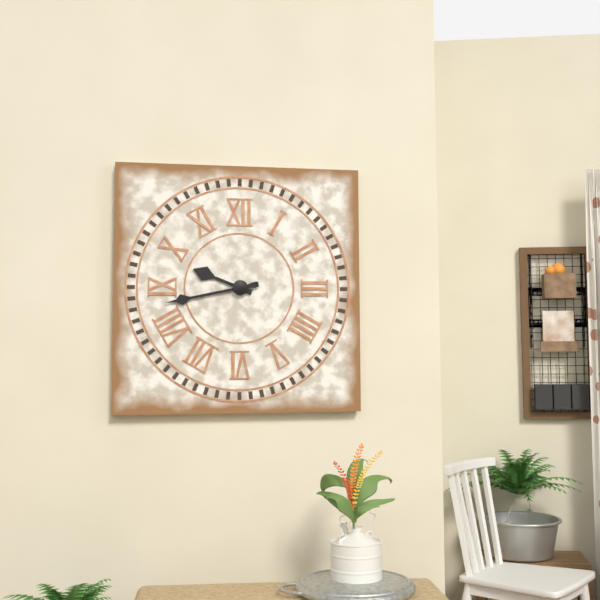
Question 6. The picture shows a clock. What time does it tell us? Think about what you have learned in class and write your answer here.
9:43
